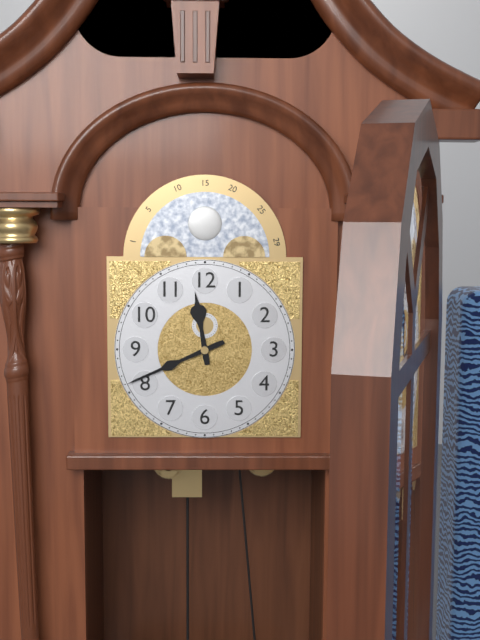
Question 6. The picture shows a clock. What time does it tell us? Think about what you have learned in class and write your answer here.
11:41
